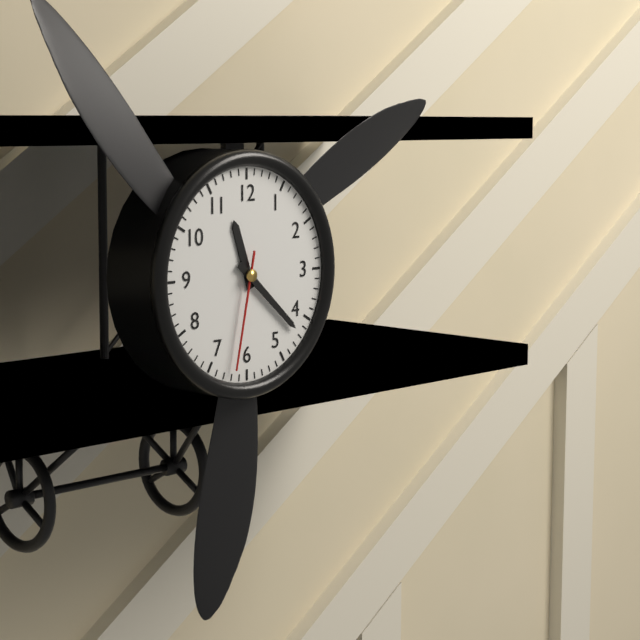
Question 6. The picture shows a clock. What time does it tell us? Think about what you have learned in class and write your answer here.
11:22:32
